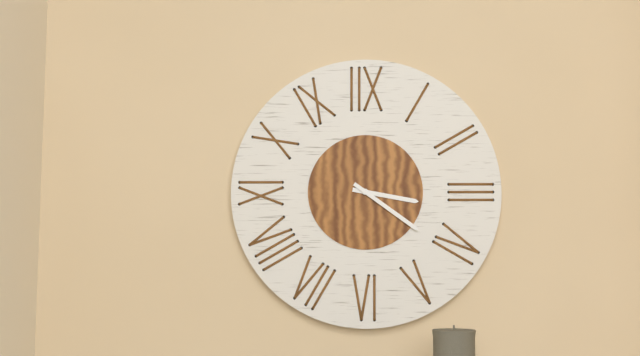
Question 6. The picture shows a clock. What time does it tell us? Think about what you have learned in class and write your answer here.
3:21
